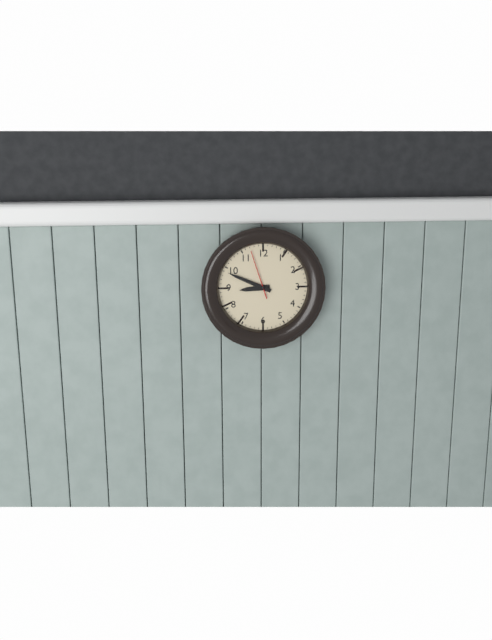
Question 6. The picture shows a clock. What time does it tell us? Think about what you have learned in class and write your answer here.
8:49
